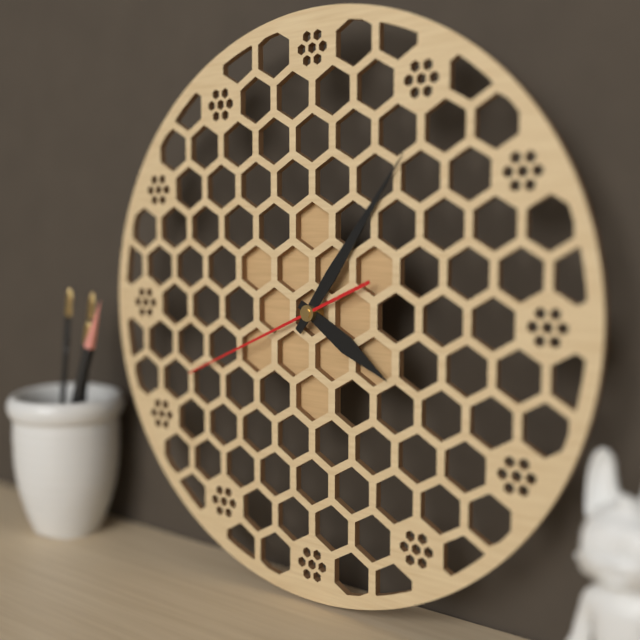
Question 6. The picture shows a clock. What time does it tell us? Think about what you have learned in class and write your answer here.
4:06:41
